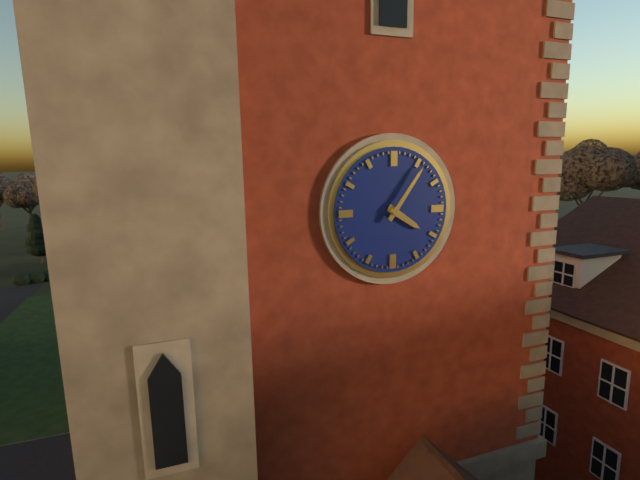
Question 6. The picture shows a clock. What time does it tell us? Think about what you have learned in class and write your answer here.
4:06
